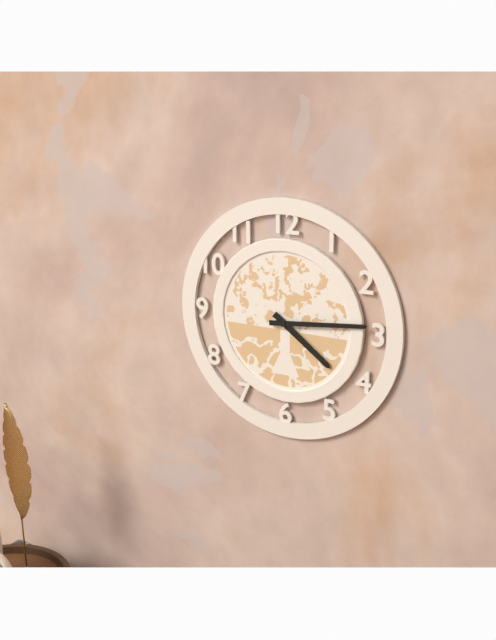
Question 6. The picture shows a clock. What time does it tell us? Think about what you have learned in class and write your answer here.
4:14
